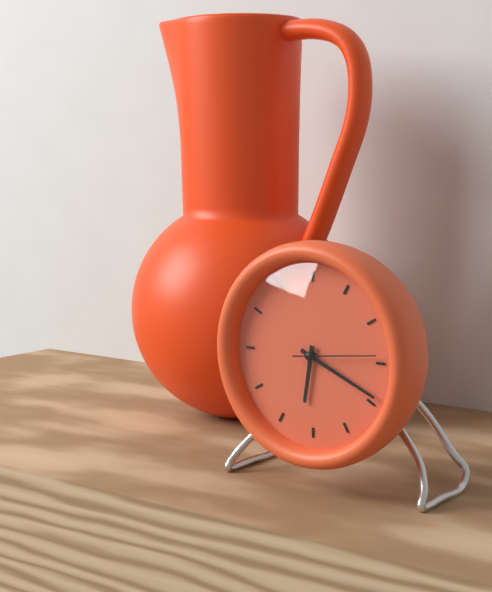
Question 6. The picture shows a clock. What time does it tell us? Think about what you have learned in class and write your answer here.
6:19:14
